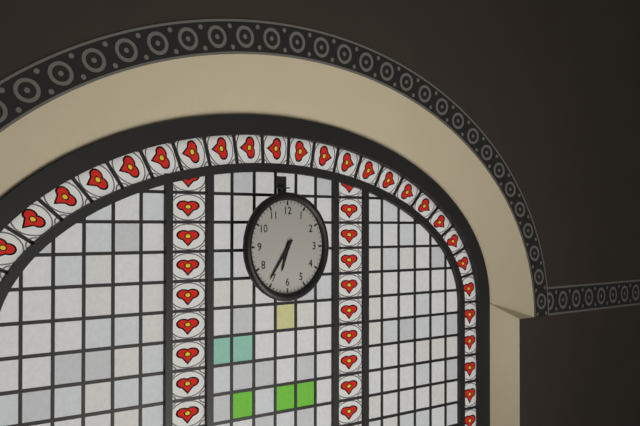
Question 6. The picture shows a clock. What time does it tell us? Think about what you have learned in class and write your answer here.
6:36
